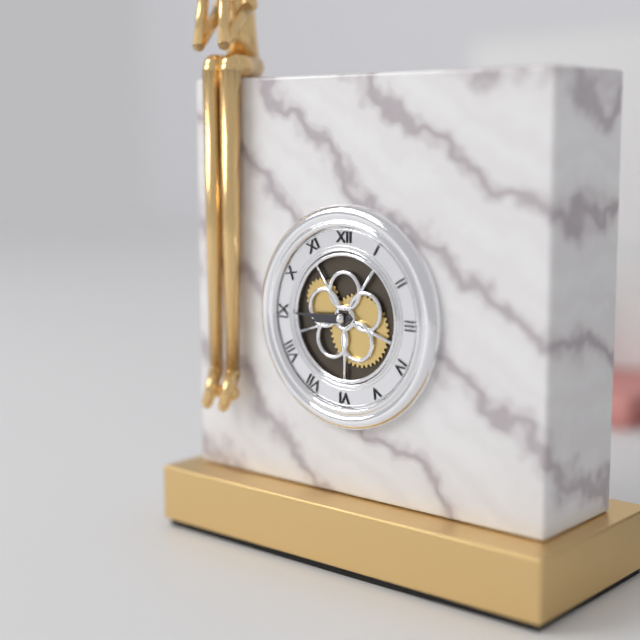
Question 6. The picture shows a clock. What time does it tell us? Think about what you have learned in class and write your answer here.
8:45
